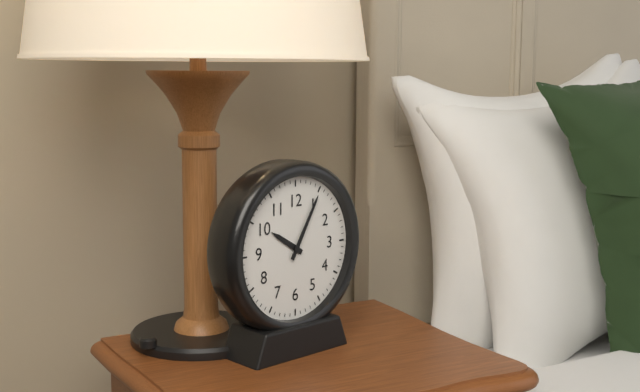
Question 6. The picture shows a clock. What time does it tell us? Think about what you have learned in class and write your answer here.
10:05
